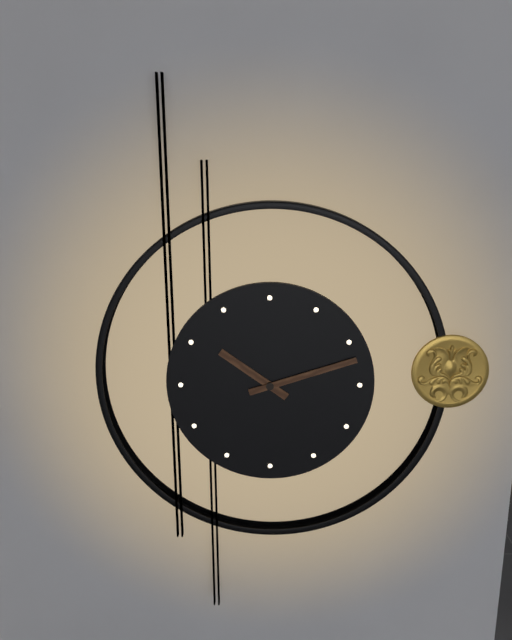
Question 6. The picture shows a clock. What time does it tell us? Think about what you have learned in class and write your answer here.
10:12
